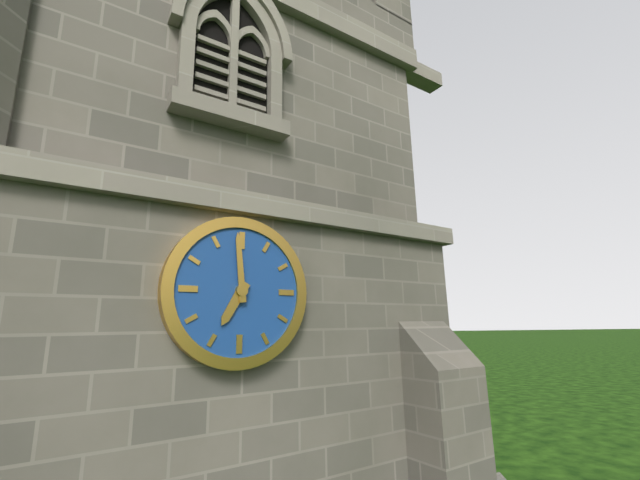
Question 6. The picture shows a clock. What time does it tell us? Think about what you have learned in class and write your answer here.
6:59
